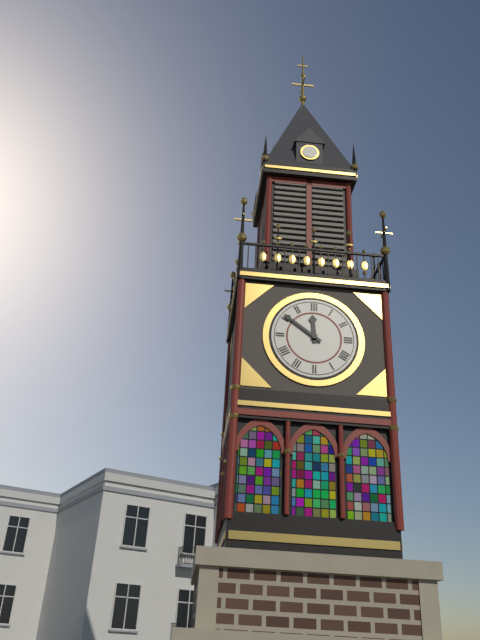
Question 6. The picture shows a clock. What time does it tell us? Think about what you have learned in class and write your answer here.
11:51
